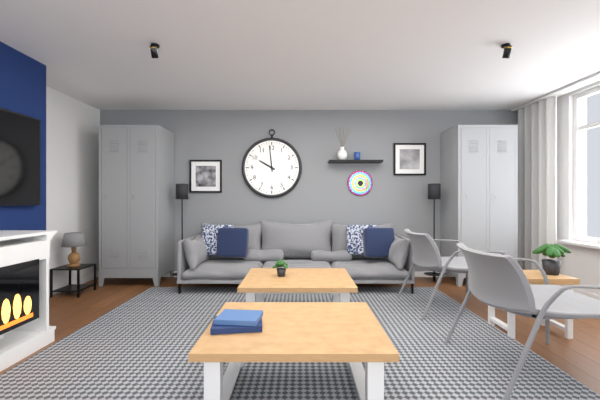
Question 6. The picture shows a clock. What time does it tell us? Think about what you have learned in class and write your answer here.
9:59
